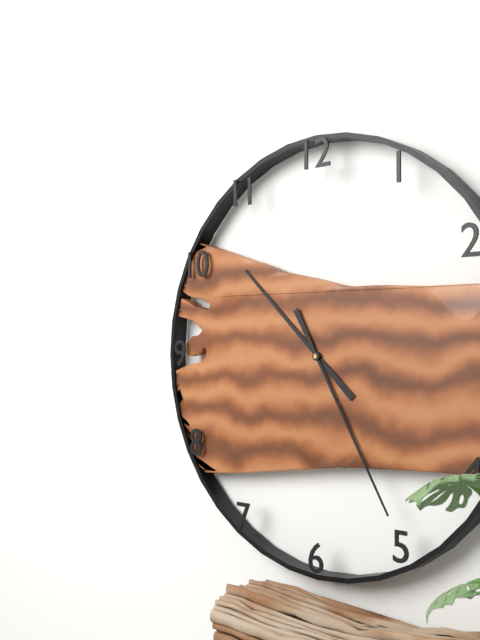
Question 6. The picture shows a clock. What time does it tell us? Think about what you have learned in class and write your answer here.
10:25
